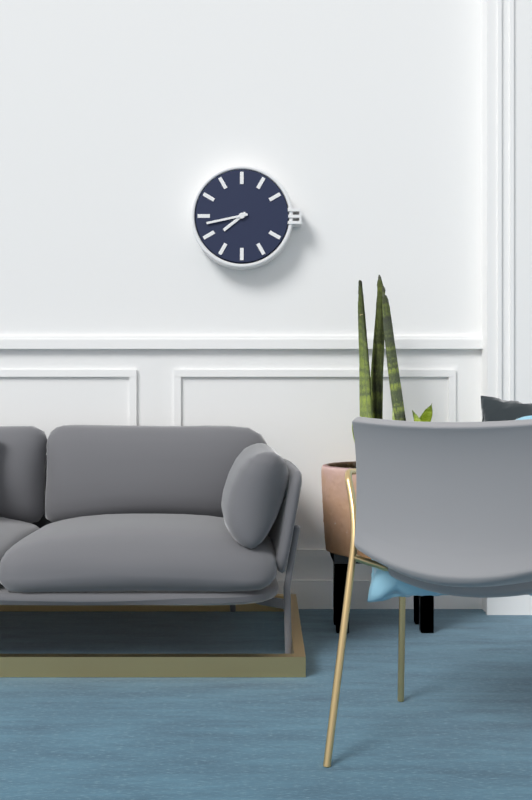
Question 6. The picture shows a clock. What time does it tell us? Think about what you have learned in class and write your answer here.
7:43
